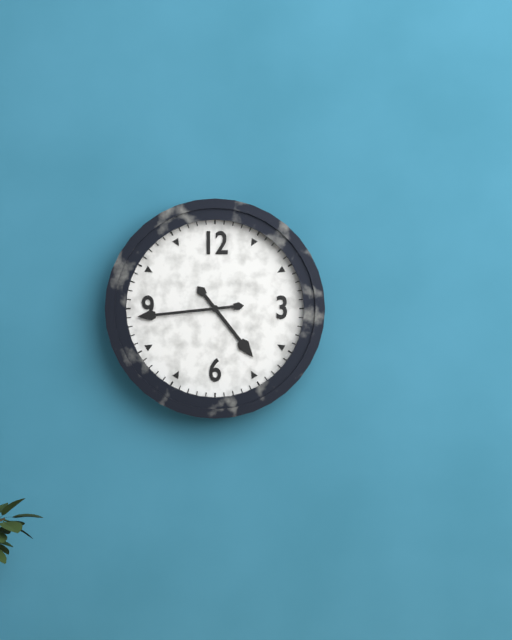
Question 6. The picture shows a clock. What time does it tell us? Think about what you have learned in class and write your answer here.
4:44
